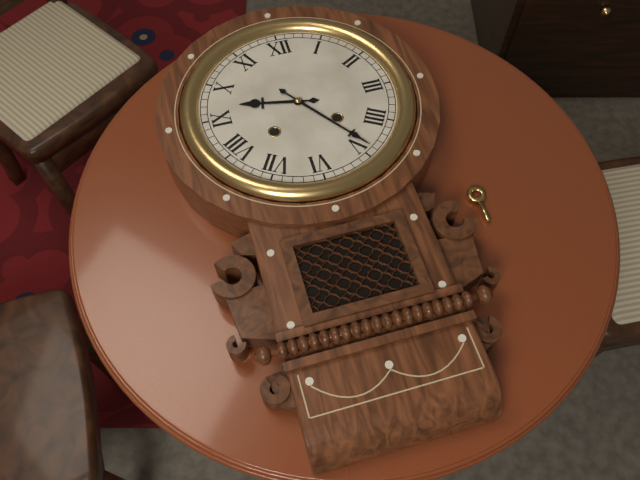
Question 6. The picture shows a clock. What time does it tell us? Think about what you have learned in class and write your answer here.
9:24
